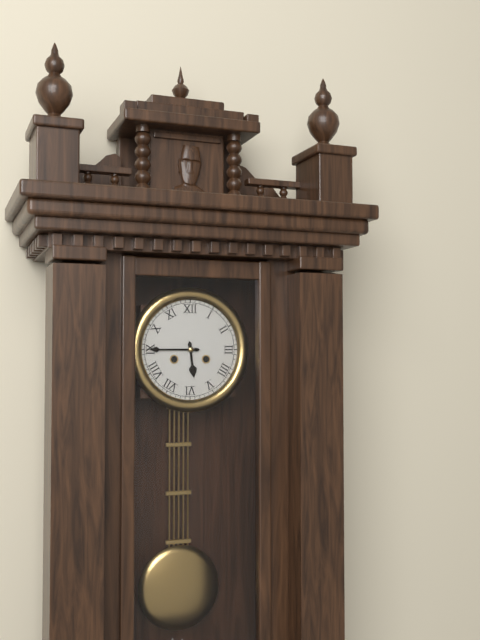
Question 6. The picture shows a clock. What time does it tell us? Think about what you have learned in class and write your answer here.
5:45
